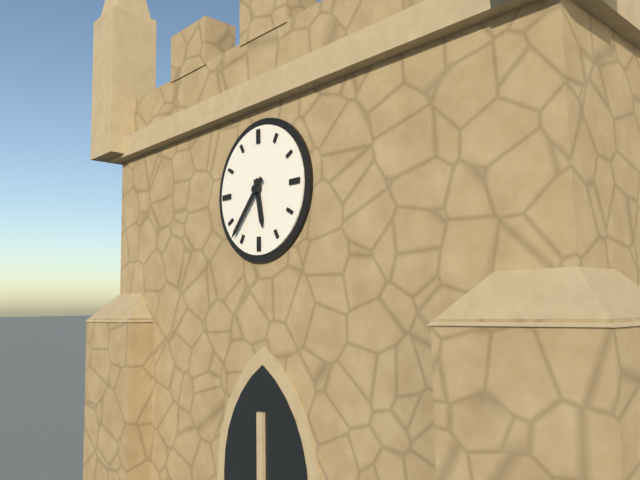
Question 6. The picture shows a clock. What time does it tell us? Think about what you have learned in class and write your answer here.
5:37
